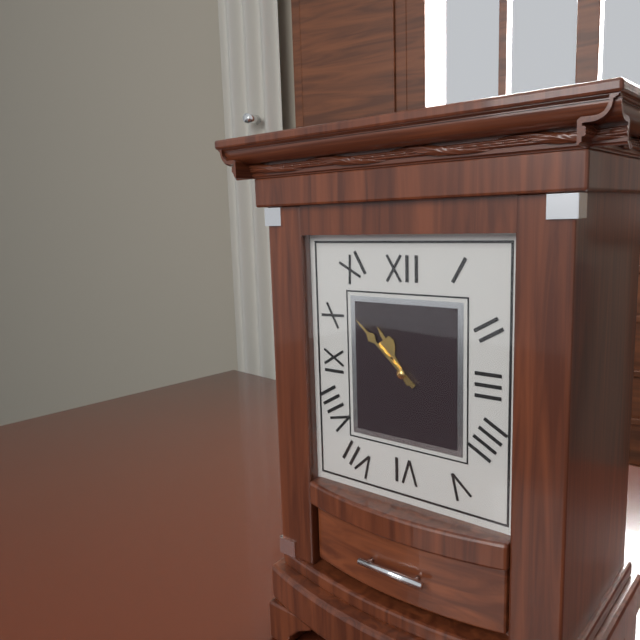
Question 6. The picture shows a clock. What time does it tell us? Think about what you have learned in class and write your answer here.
10:52
